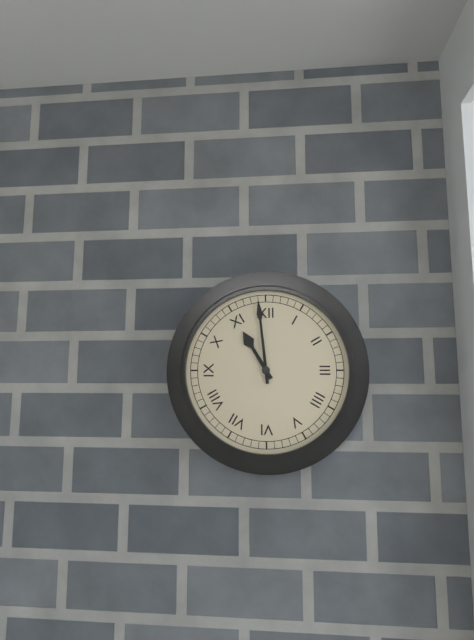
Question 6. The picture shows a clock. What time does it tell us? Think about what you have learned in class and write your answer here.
10:59
